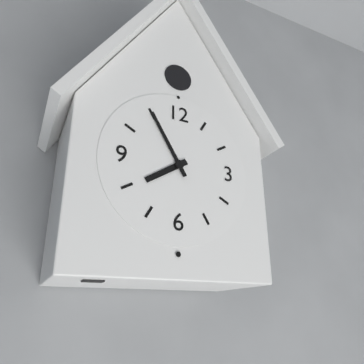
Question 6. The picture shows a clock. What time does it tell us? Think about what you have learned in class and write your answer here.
7:55
